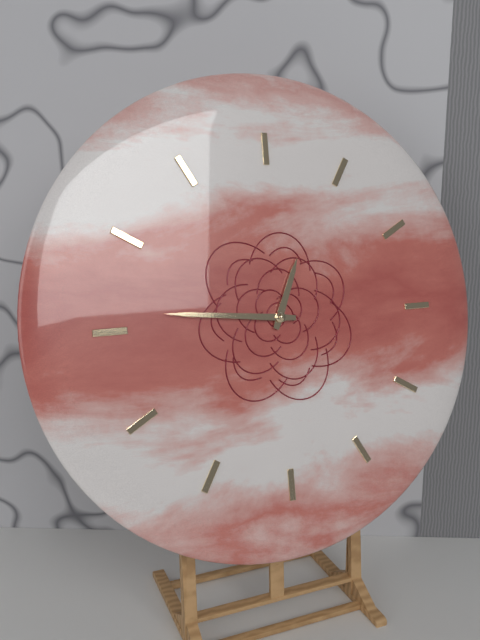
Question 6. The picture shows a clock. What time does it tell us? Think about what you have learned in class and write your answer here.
12:46
